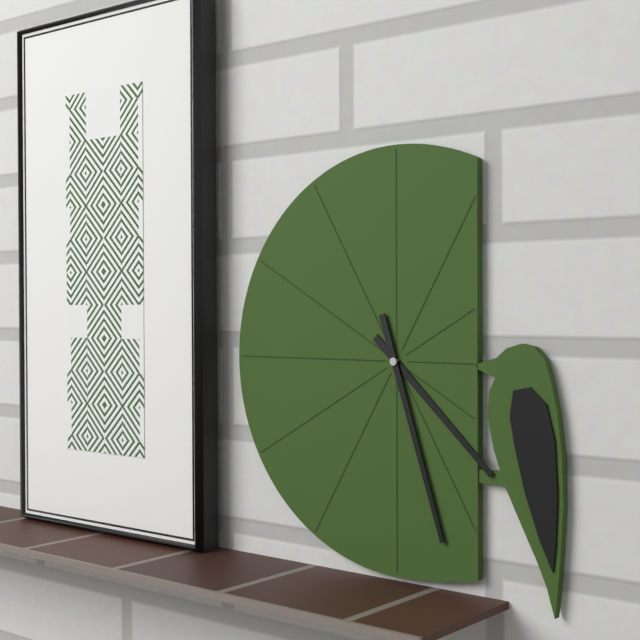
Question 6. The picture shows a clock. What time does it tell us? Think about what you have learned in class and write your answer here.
4:27
